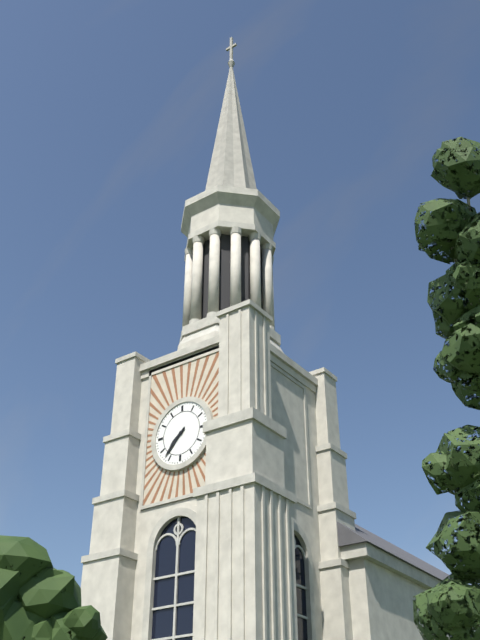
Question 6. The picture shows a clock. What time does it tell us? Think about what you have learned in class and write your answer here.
7:37
